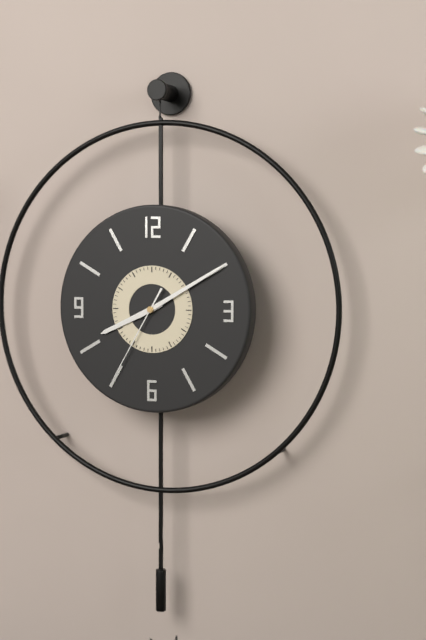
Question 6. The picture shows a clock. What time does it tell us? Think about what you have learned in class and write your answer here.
8:10:35
